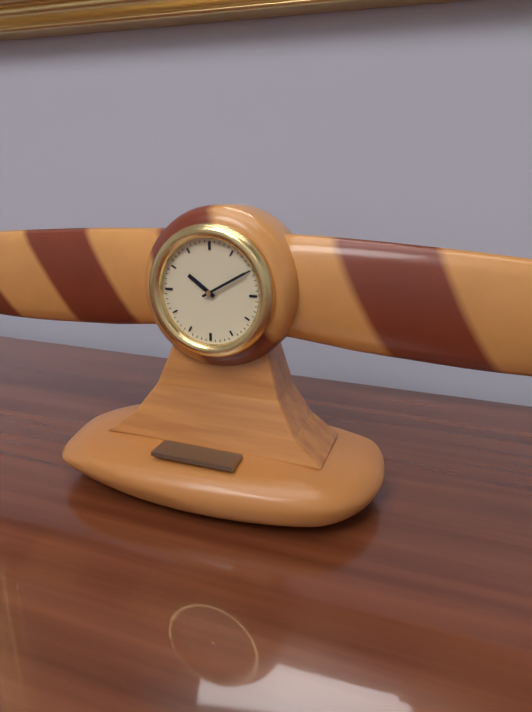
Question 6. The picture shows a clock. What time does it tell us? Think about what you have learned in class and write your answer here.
10:10
